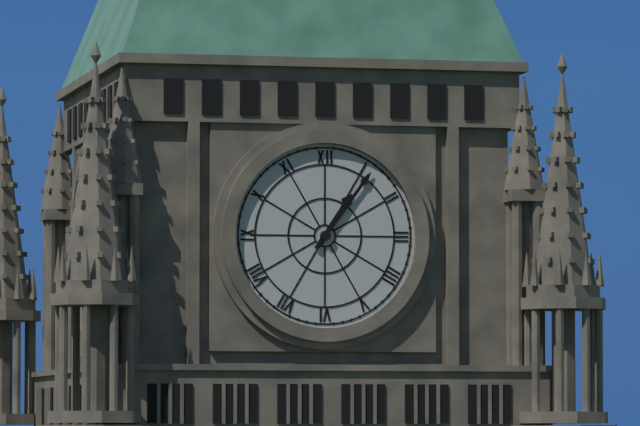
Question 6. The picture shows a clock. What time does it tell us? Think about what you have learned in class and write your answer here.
1:06
